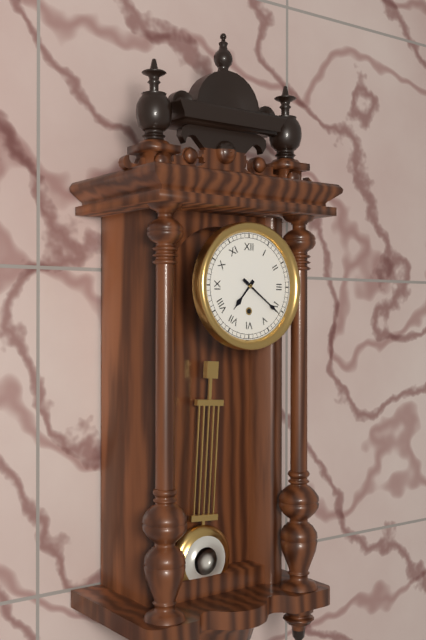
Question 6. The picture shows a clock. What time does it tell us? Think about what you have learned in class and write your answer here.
7:21
